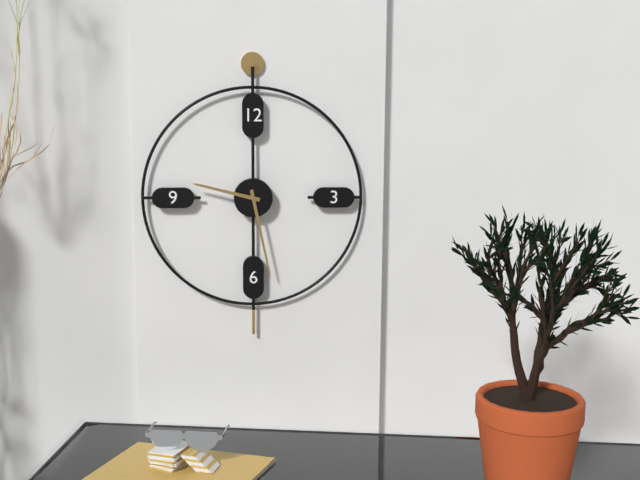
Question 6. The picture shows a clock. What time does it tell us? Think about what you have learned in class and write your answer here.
9:28
